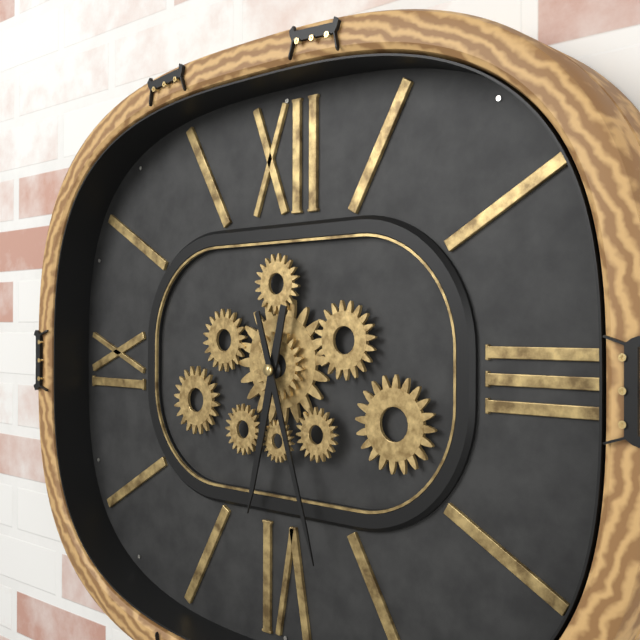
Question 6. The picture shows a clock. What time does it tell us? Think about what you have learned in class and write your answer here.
6:27
